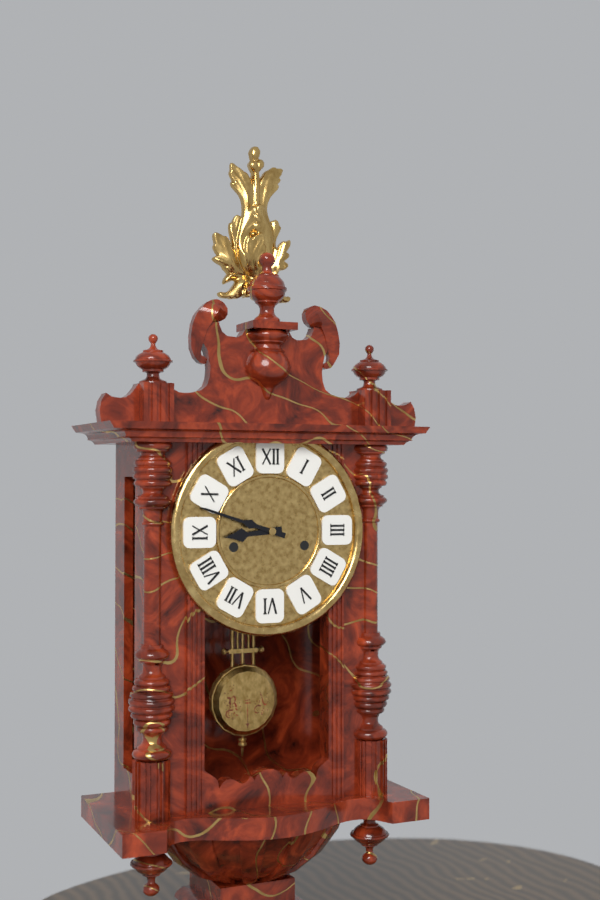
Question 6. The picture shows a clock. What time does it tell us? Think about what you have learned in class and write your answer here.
8:48
